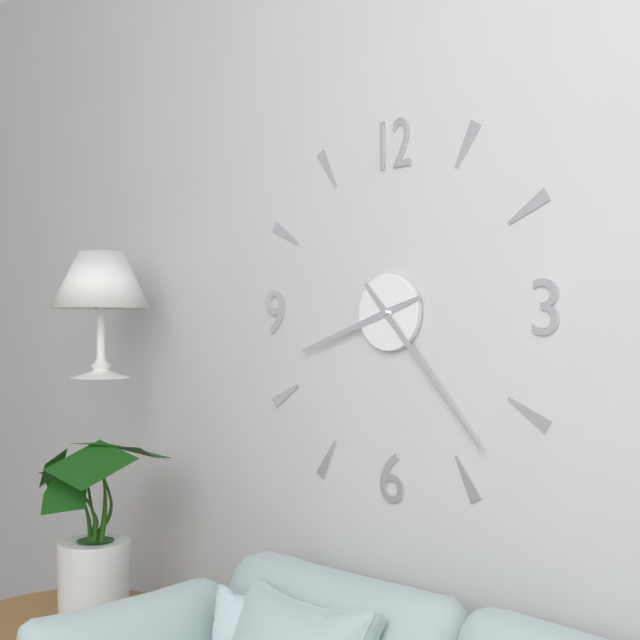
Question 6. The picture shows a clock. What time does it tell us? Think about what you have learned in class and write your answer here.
8:23
